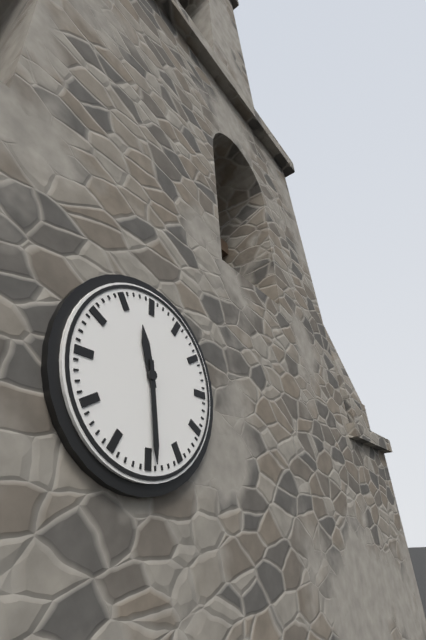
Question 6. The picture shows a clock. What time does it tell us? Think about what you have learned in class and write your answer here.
11:29
